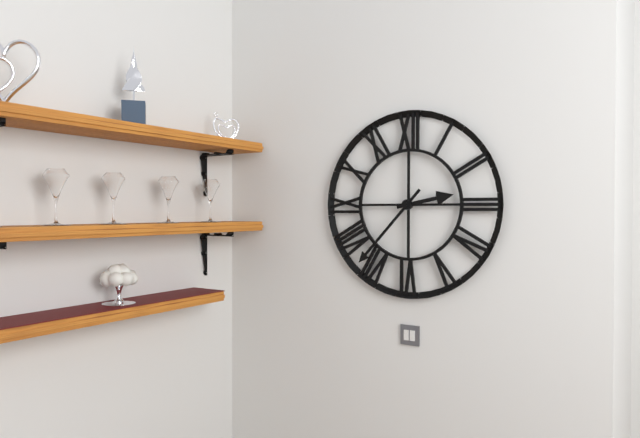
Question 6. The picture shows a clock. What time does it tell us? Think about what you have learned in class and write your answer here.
2:37
